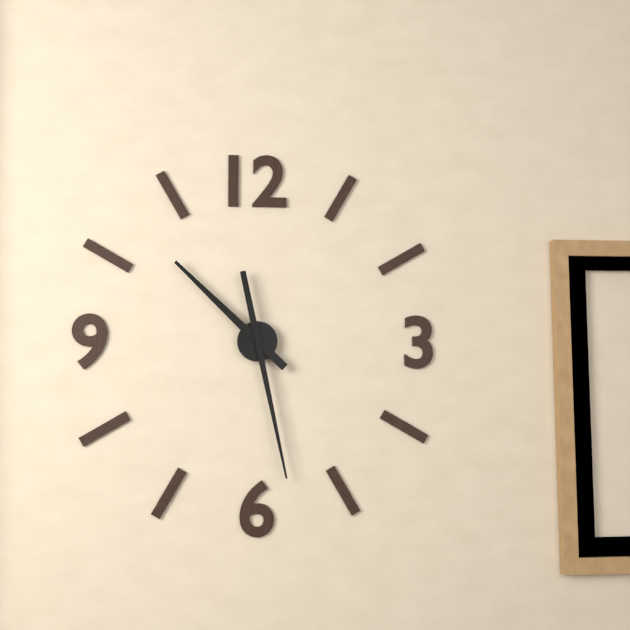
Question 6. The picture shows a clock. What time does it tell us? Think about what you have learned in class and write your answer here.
10:28
